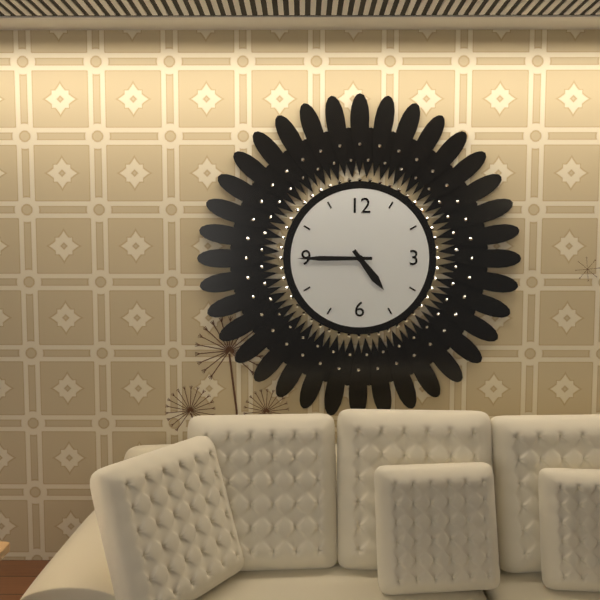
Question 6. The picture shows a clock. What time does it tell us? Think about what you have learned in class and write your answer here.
4:45
